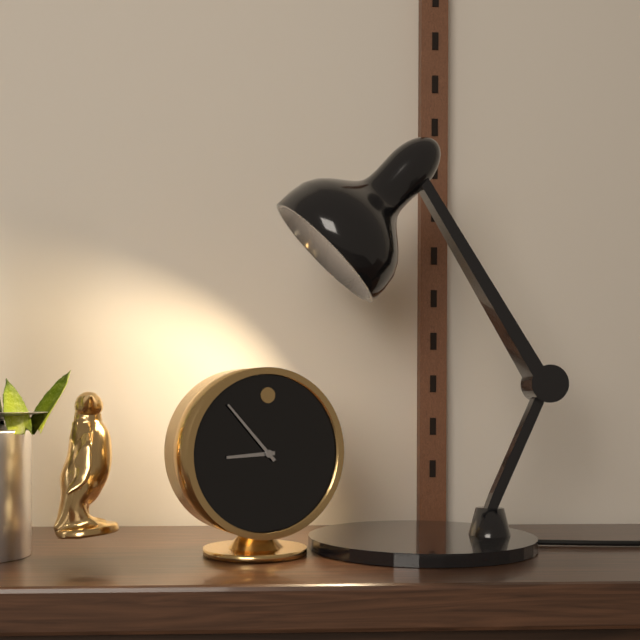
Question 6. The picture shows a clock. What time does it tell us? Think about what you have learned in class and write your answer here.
8:53
